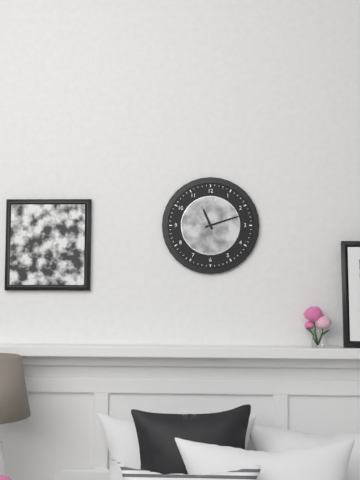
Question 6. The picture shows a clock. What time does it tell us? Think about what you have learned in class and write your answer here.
11:12
